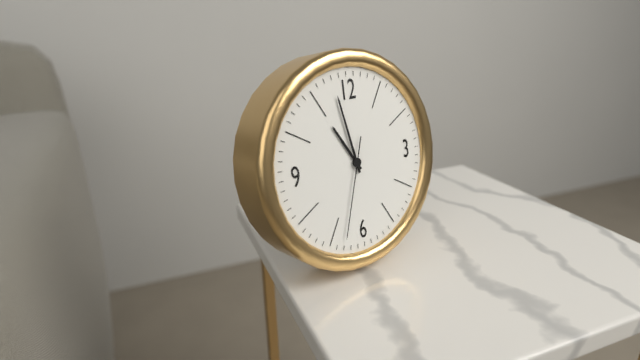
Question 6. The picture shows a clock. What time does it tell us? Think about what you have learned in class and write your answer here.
10:58:33
